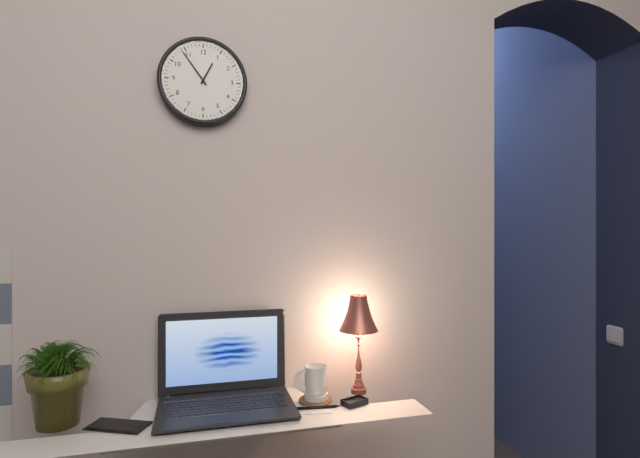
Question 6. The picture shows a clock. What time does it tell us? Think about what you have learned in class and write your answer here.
12:54
